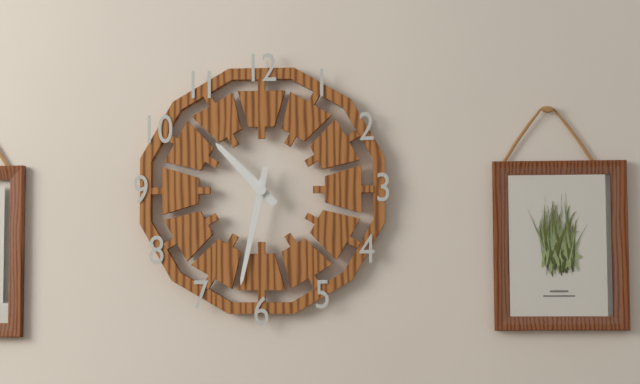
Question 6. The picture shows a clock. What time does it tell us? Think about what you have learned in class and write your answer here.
10:32
